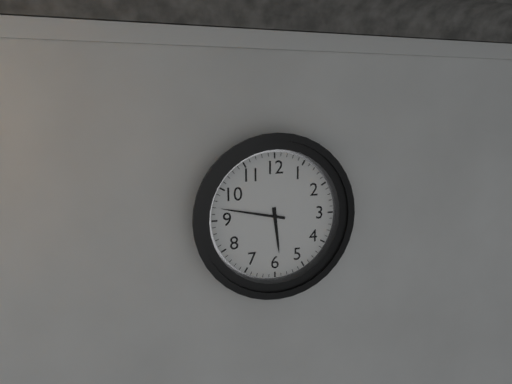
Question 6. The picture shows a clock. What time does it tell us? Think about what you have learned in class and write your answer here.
5:47
